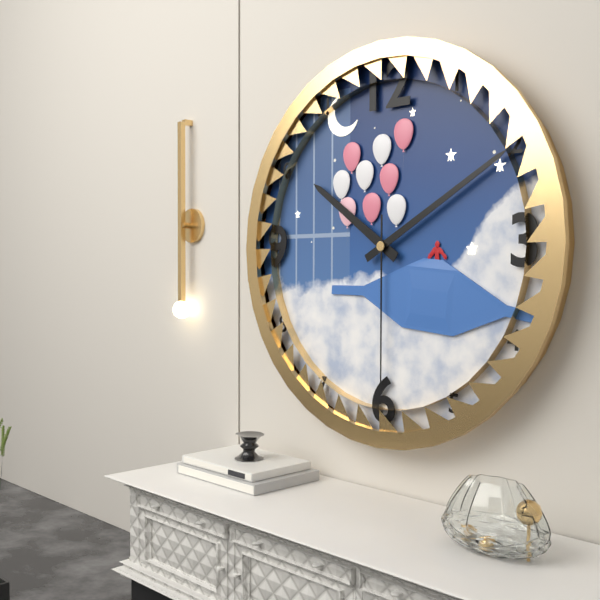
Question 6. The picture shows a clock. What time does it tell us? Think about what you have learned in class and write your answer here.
10:10:30
